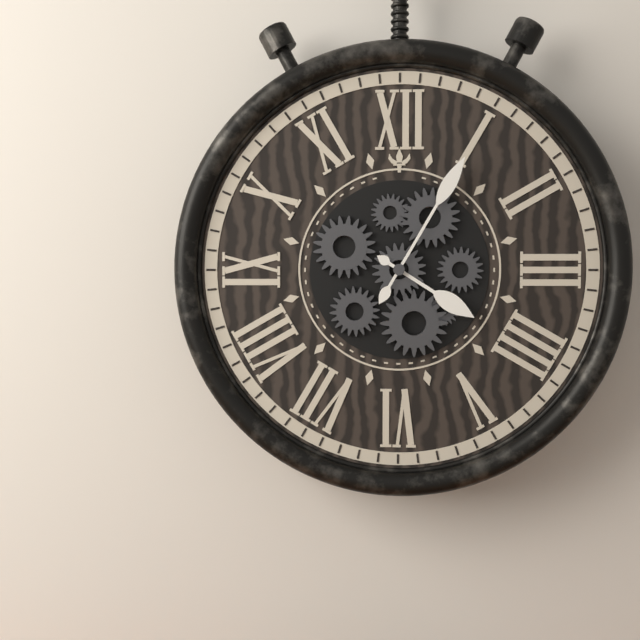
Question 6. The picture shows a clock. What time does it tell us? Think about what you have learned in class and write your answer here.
4:05
